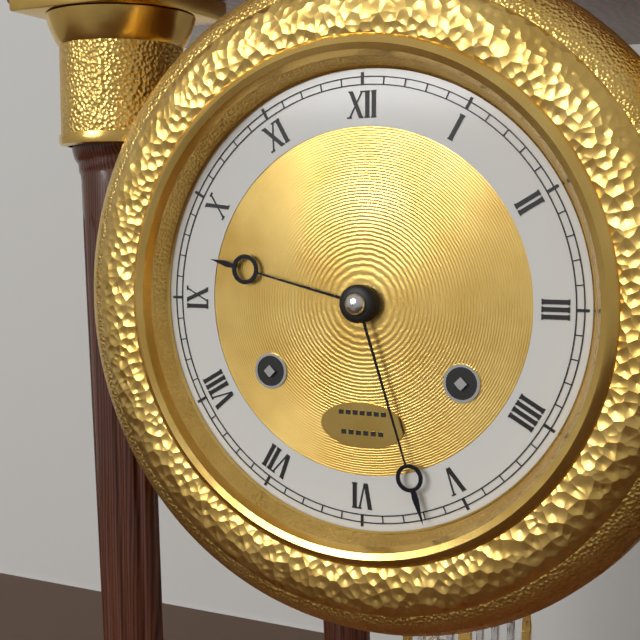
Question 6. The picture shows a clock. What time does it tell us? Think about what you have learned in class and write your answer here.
9:27
